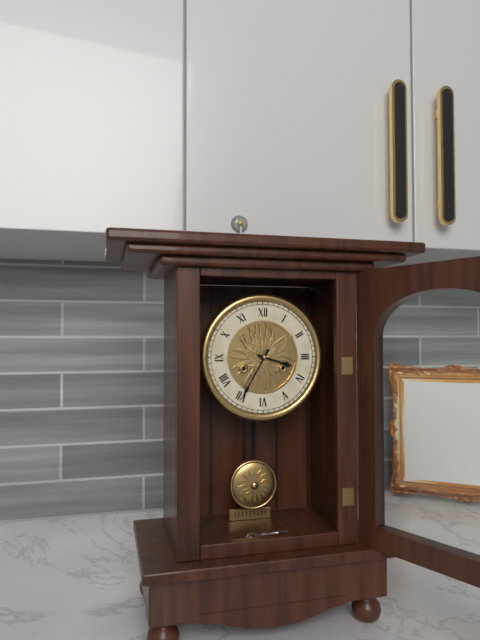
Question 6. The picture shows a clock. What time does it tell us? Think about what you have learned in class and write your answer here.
3:35
